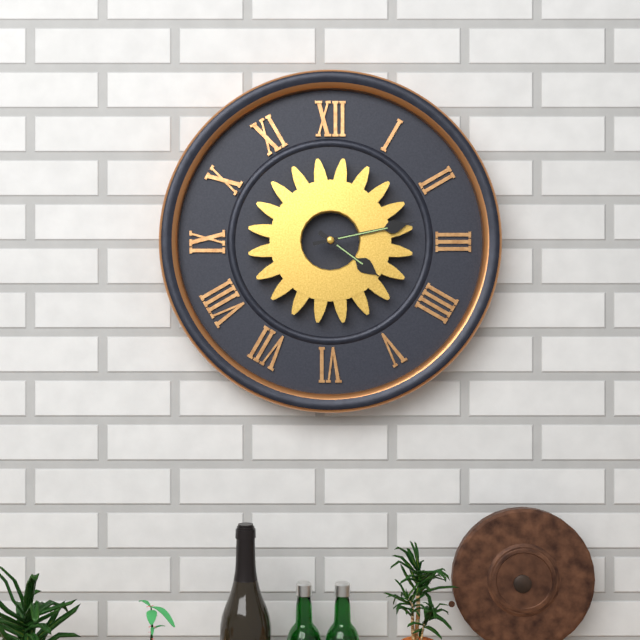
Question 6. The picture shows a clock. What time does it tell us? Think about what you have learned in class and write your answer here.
4:13
